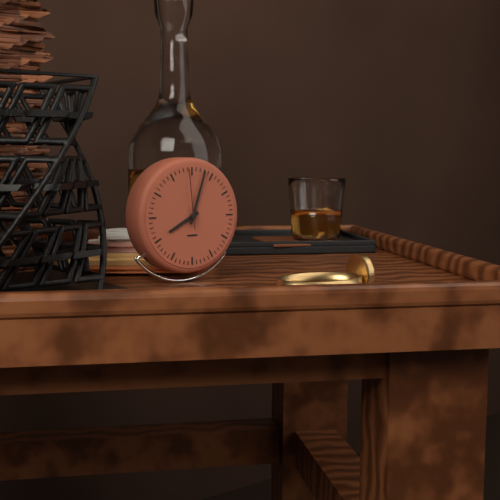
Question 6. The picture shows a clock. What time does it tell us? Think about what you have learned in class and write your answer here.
8:03:59
